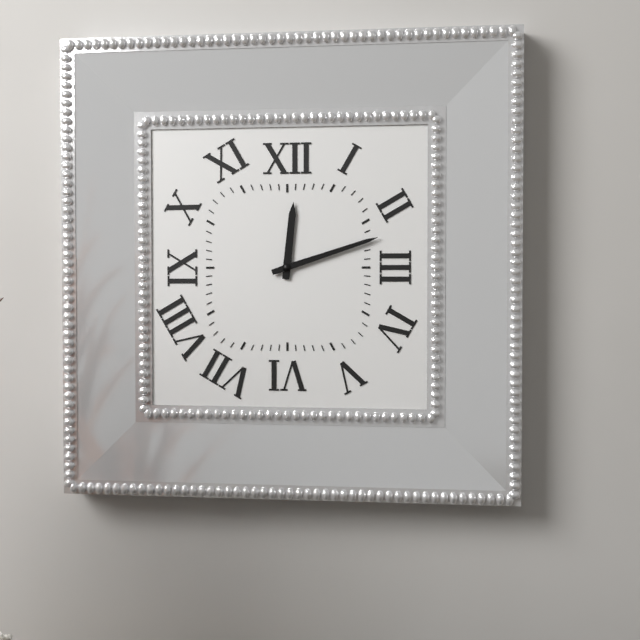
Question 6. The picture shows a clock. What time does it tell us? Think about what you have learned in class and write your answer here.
12:12
